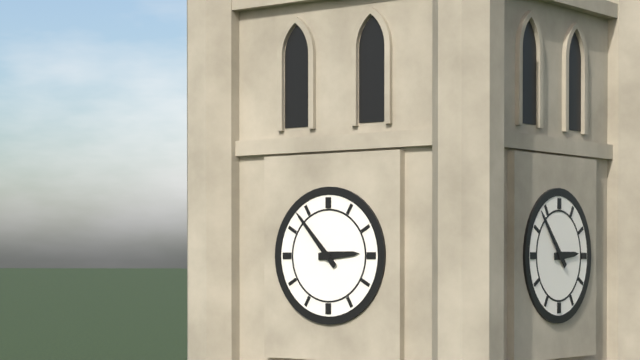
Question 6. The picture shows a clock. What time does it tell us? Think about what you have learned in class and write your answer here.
2:53
